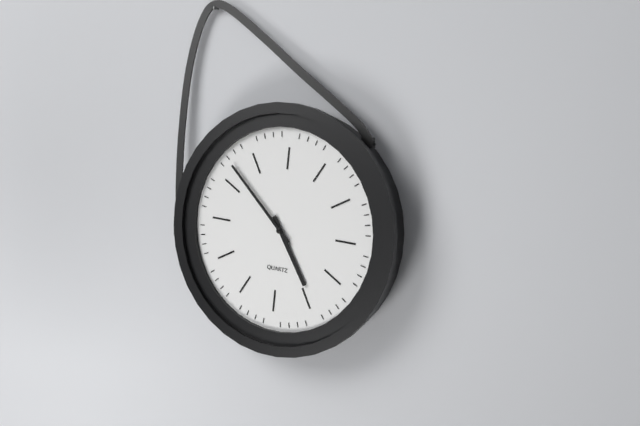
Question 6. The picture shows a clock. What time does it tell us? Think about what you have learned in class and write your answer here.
4:52
